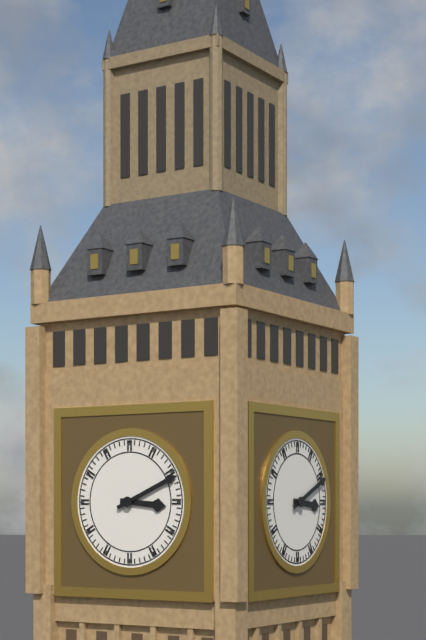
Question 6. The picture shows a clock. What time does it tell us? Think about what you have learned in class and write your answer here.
3:11
